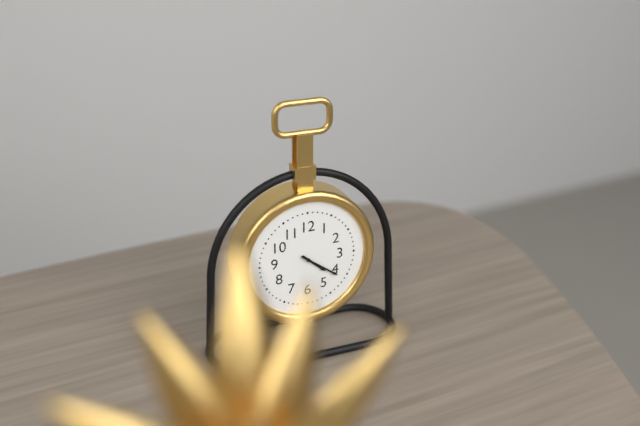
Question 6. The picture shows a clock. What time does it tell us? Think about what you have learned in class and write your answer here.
4:21
